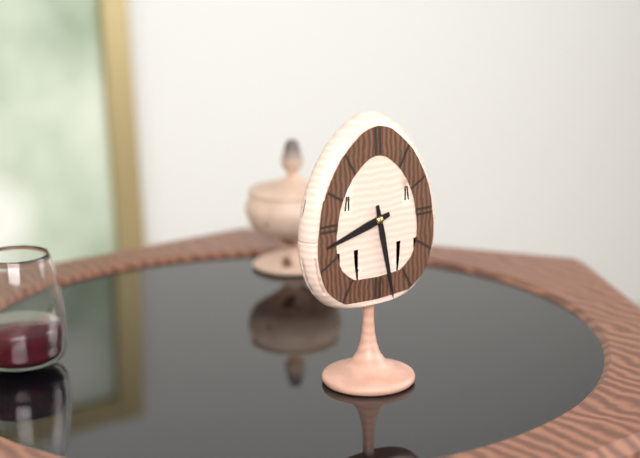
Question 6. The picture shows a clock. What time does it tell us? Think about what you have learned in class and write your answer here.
8:28
